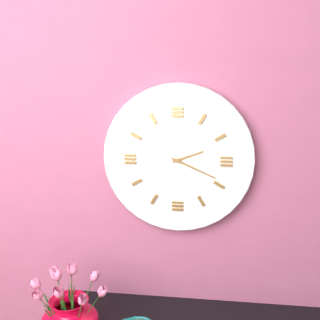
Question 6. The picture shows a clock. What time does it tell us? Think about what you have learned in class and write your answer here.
2:19
